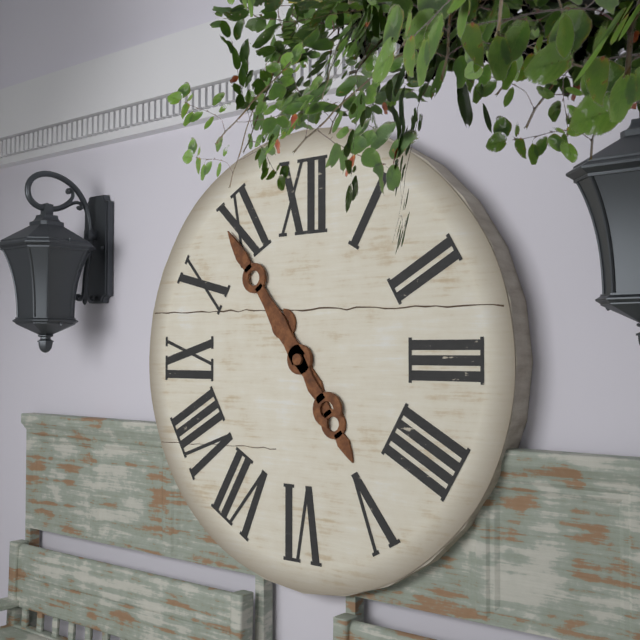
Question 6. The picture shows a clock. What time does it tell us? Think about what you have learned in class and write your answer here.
4:54
